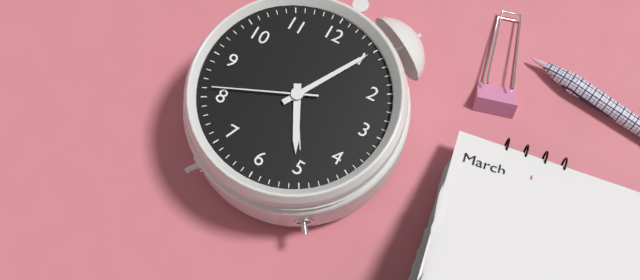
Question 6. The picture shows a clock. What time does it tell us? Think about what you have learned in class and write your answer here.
5:05:41
